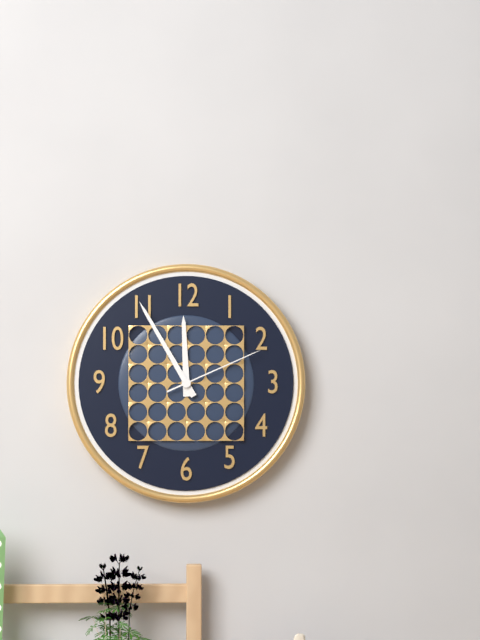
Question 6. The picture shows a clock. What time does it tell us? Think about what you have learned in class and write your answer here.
11:55:11
